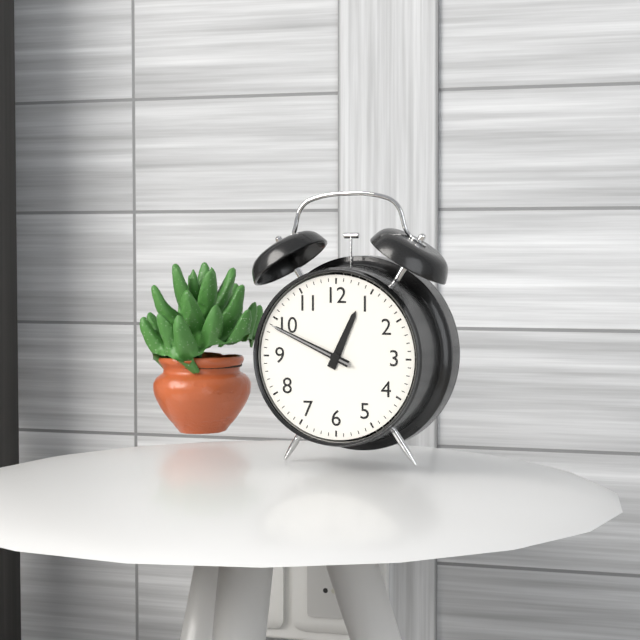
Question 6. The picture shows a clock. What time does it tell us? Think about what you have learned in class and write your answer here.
12:49:49
